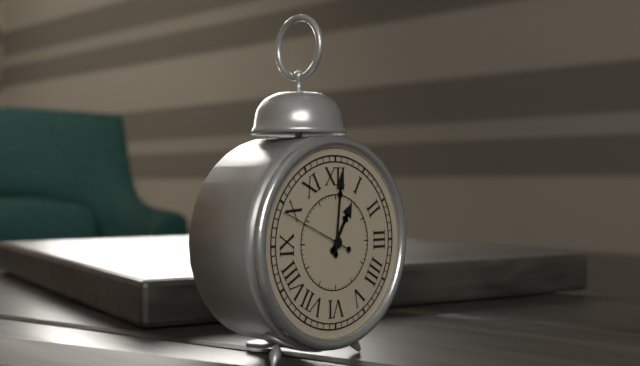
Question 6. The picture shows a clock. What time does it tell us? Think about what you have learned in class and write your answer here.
1:01:49
